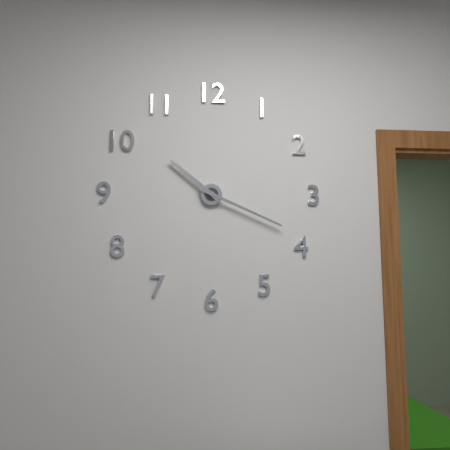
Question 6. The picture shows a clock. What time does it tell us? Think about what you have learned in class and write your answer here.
10:19
